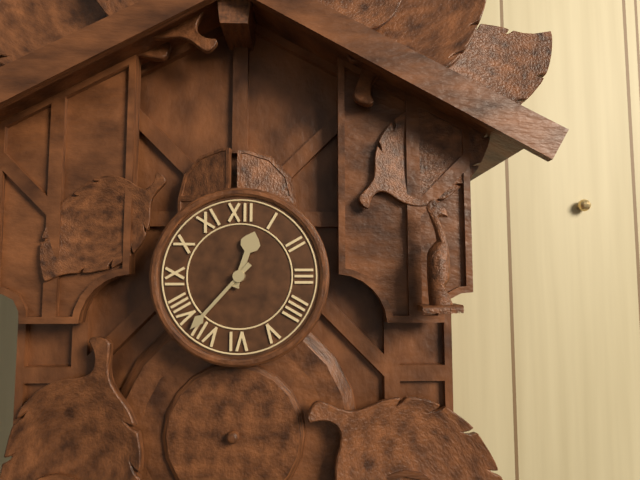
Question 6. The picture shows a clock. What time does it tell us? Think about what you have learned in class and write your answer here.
12:37
